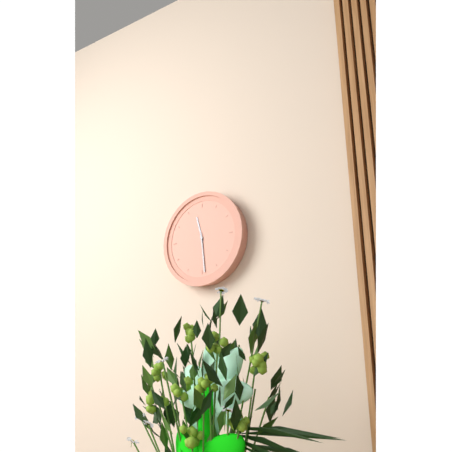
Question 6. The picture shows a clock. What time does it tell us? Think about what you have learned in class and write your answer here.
11:29
